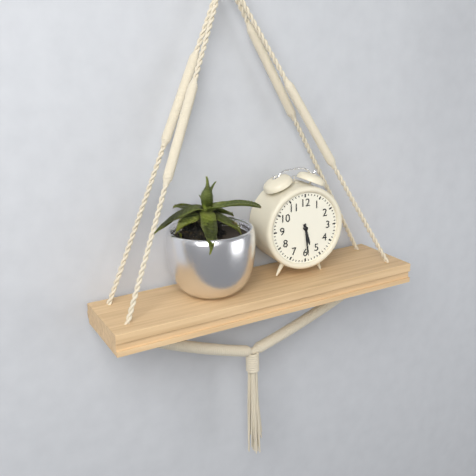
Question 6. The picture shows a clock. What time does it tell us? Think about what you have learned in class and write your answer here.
5:29
